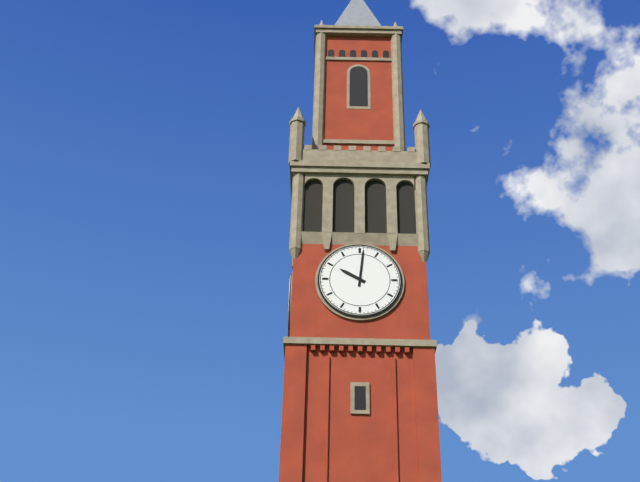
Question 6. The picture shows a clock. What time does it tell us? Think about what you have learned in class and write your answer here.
10:01
